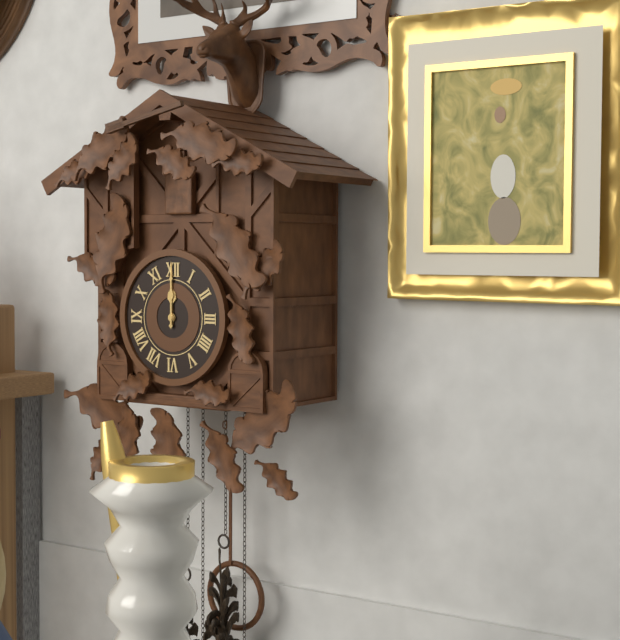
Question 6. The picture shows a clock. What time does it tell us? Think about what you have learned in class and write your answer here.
12:00
